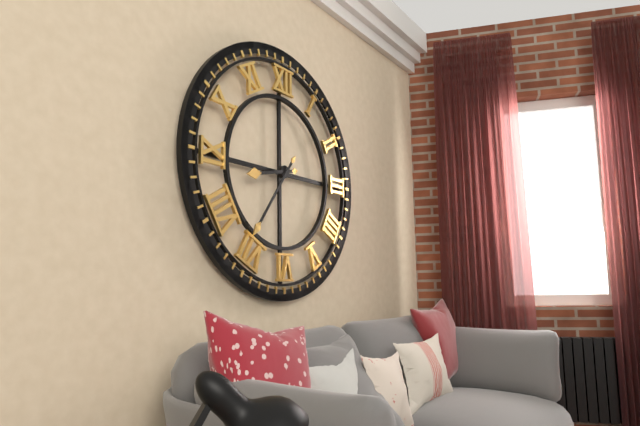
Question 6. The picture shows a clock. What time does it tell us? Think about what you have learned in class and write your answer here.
8:36
